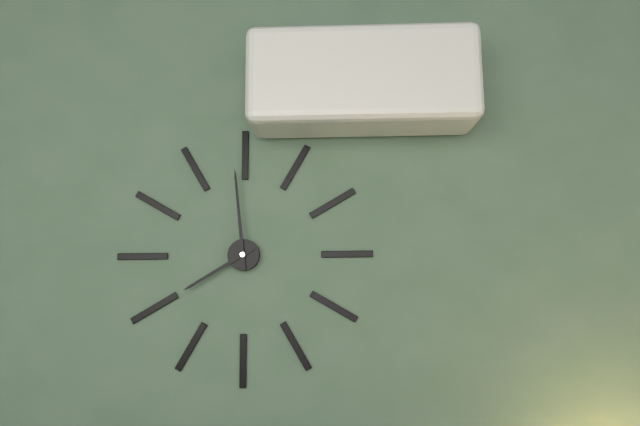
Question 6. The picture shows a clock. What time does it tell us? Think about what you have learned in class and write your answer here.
7:59
